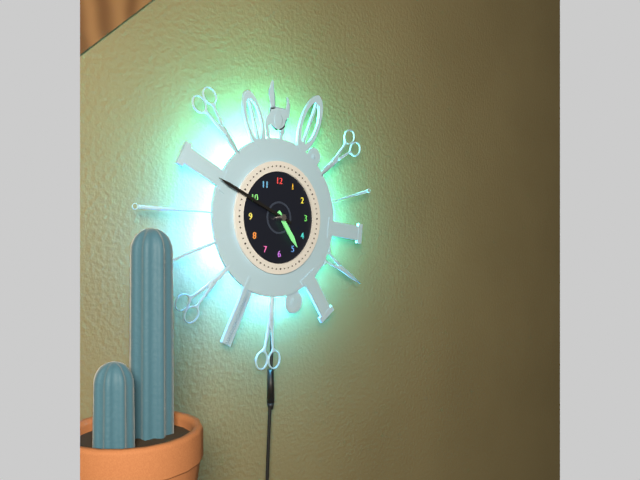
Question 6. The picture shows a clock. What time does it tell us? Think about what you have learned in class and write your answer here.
4:49
